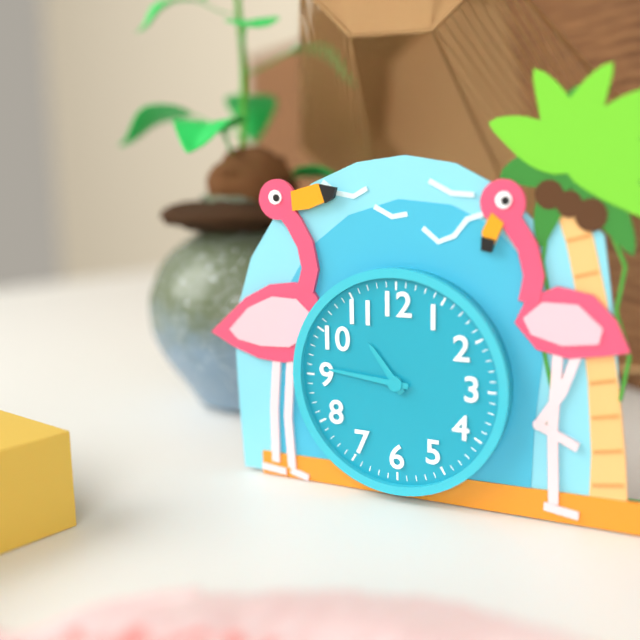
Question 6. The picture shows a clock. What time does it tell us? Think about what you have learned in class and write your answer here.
10:46
